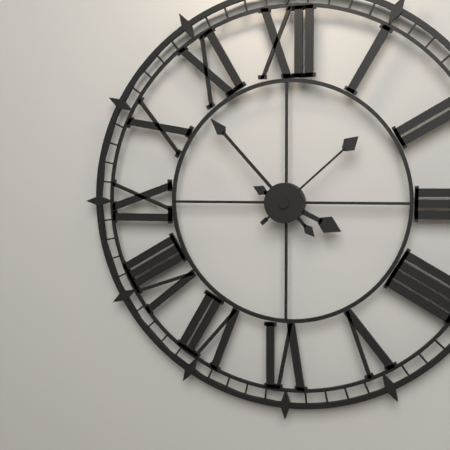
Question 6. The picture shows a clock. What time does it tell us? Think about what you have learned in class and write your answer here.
3:53:08
